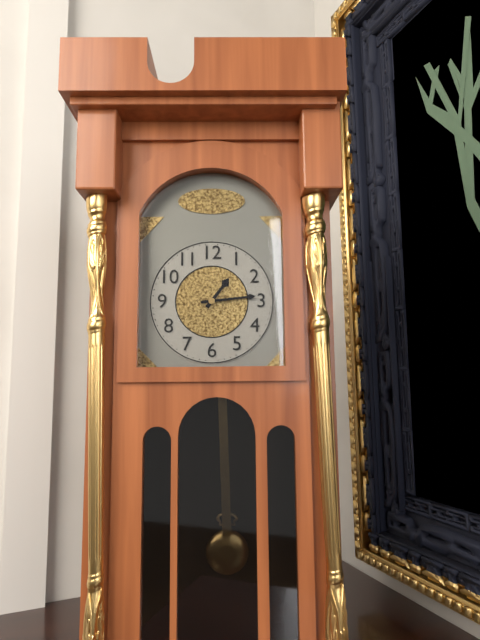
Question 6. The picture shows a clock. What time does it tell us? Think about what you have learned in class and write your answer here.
1:14
